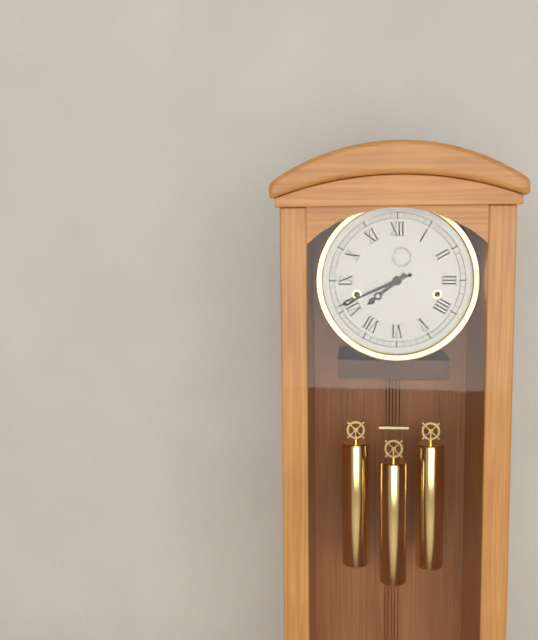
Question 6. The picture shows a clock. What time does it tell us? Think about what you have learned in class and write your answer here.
7:41
